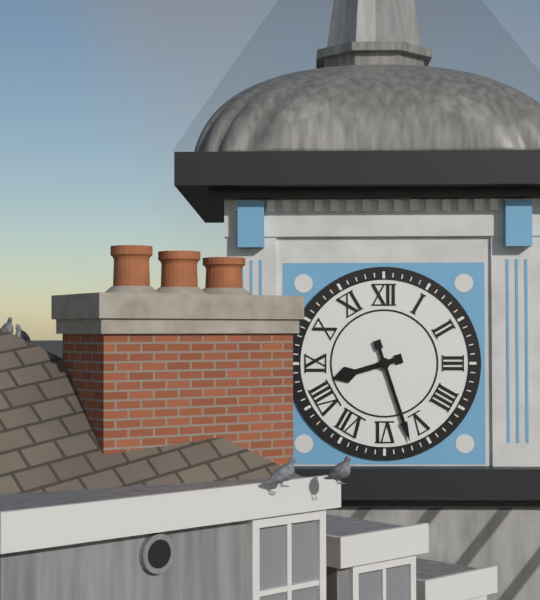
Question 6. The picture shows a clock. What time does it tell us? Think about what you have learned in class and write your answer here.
8:27
